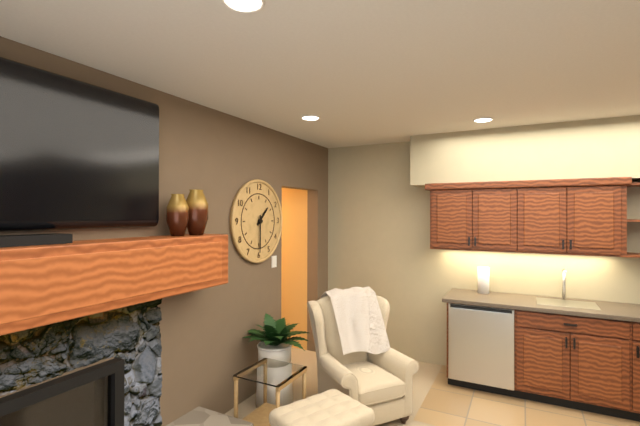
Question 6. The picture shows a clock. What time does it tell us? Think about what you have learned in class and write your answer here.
1:30
